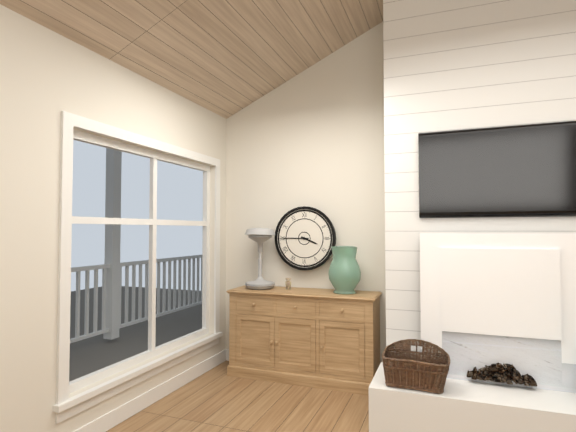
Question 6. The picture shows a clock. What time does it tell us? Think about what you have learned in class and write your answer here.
3:45
